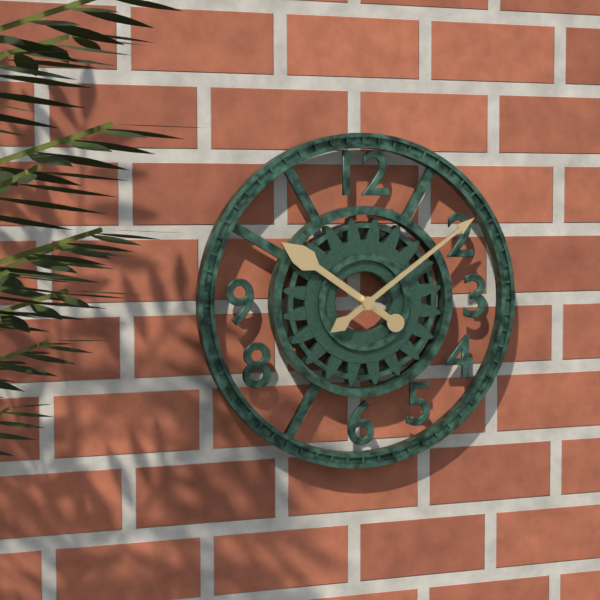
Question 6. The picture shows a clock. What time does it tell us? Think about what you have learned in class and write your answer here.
10:09
